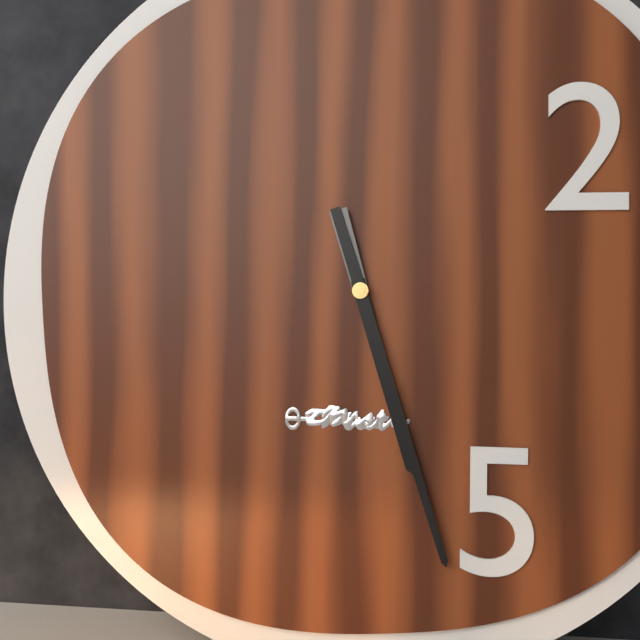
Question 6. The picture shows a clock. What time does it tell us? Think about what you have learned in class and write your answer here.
5:27
